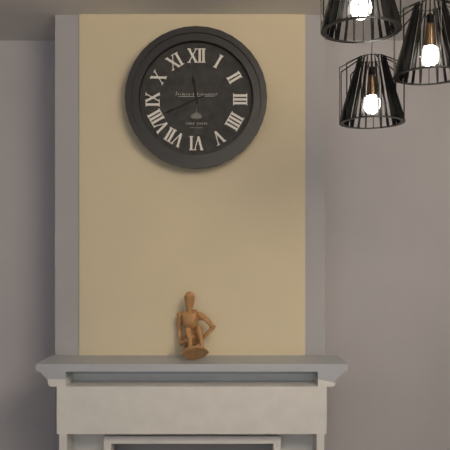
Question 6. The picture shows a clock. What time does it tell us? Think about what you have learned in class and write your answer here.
11:41
